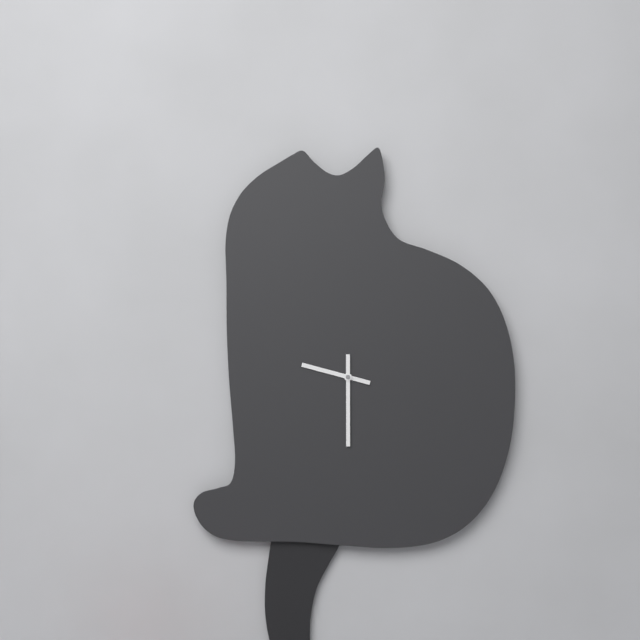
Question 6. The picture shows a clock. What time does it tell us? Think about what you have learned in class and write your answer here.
9:30
